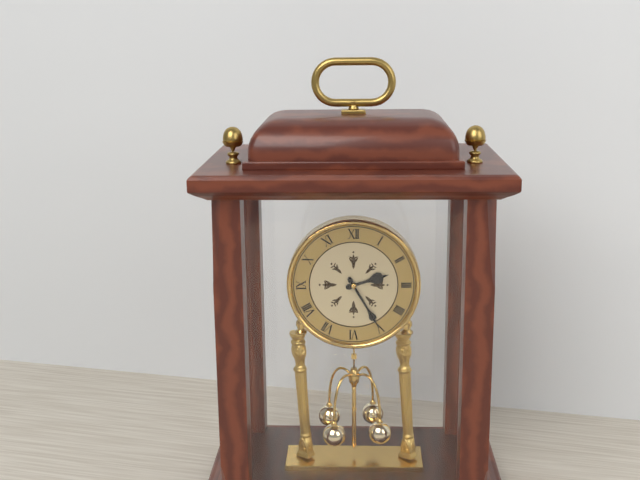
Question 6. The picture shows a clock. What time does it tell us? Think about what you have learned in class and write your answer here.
2:25
